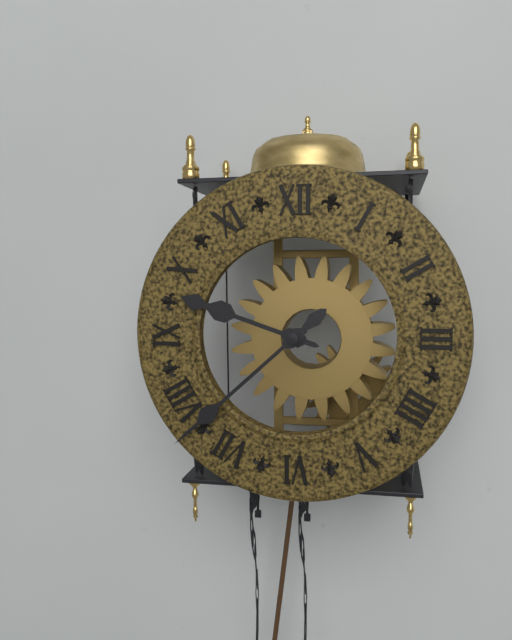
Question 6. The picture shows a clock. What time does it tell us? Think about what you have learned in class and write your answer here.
9:38
